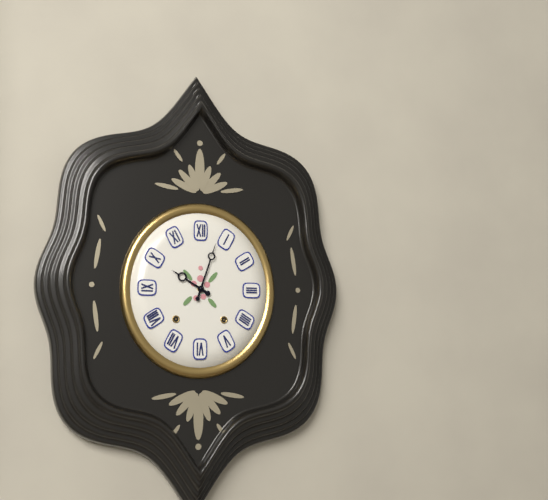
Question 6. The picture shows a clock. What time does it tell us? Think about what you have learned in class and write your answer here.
10:03
